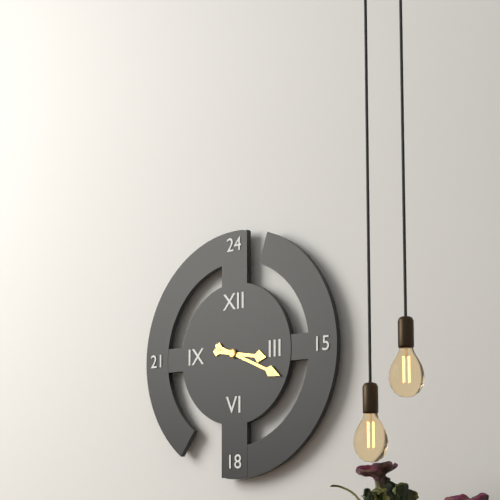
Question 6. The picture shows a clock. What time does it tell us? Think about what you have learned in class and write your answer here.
3:19
